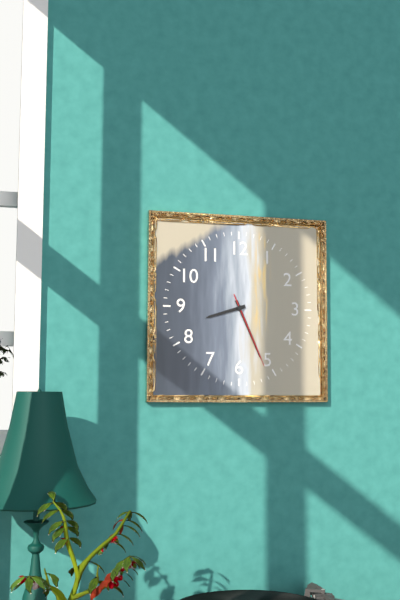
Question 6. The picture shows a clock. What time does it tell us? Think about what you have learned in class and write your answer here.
8:26:26
